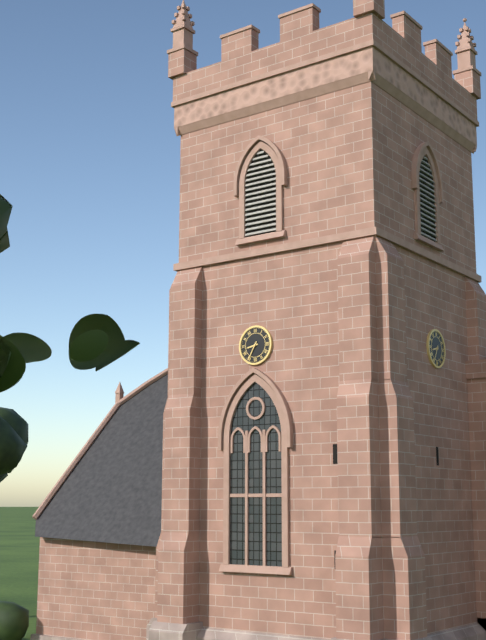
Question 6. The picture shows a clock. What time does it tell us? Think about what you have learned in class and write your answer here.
8:35
